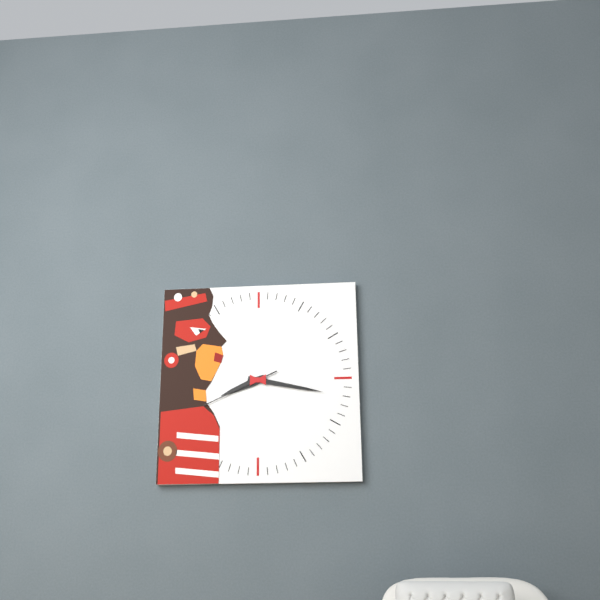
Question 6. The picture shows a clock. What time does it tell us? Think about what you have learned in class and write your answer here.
8:17:41
